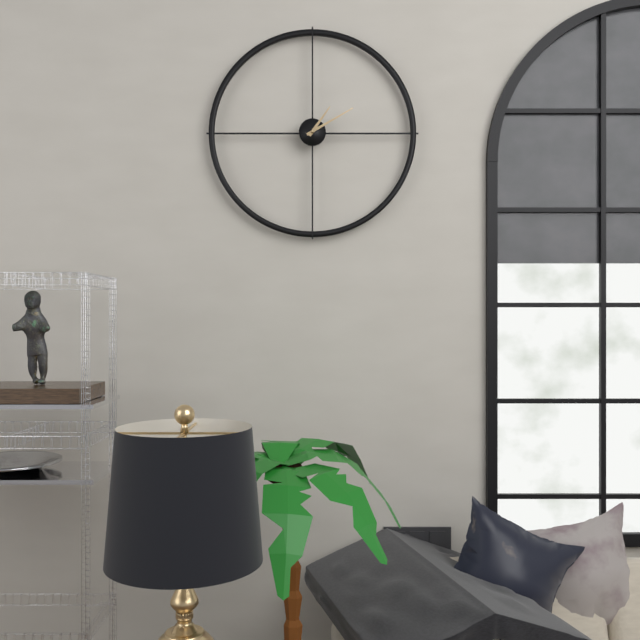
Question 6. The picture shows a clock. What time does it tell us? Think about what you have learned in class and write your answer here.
1:10
